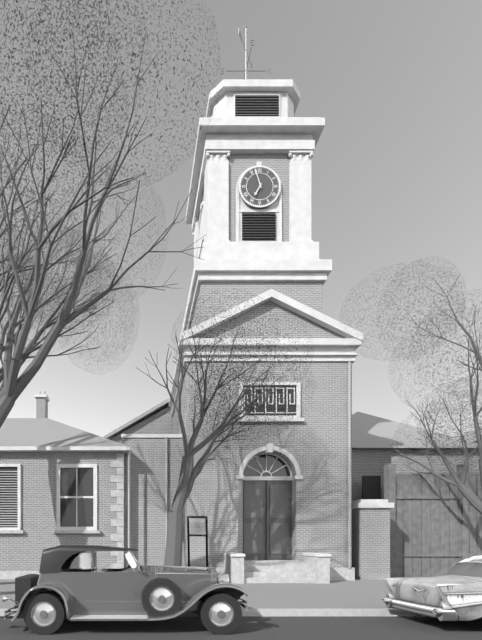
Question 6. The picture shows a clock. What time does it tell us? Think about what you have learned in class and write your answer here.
6:57
